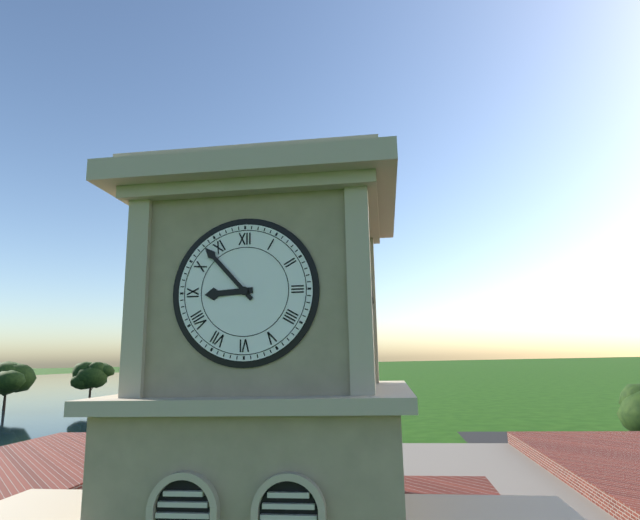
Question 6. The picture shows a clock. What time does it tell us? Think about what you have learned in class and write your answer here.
8:53
